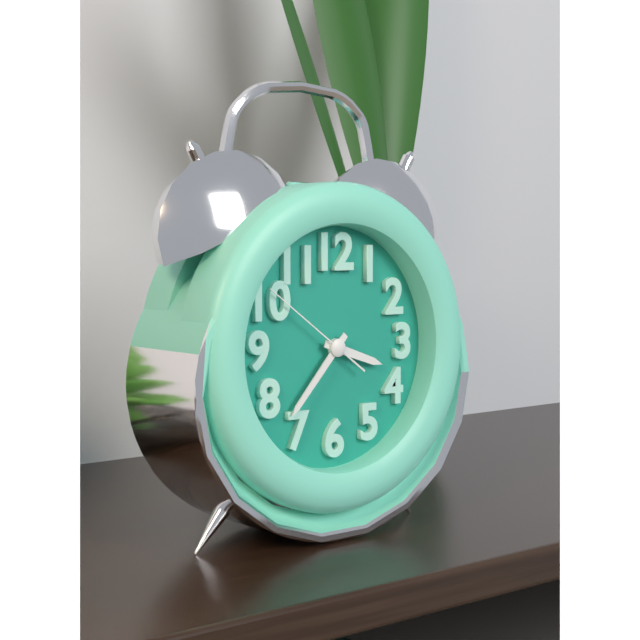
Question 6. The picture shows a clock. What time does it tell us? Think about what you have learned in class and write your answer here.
3:37:51
